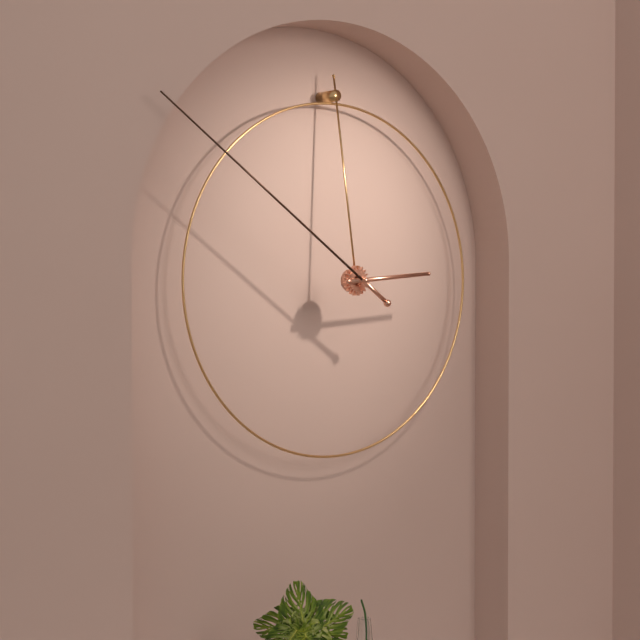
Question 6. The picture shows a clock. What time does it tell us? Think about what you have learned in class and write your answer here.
2:51
